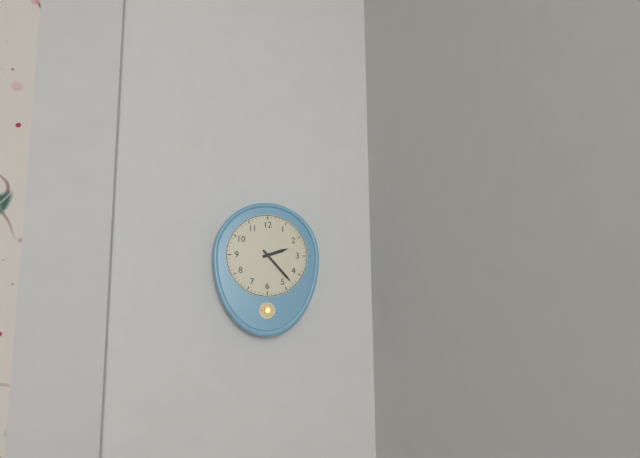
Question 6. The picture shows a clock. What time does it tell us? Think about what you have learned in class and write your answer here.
2:23
